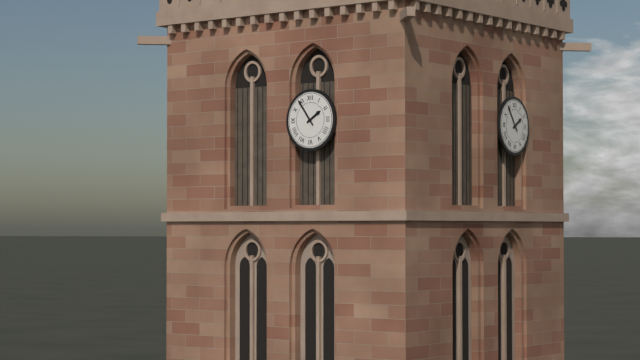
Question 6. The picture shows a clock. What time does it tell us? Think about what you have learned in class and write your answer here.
1:54
